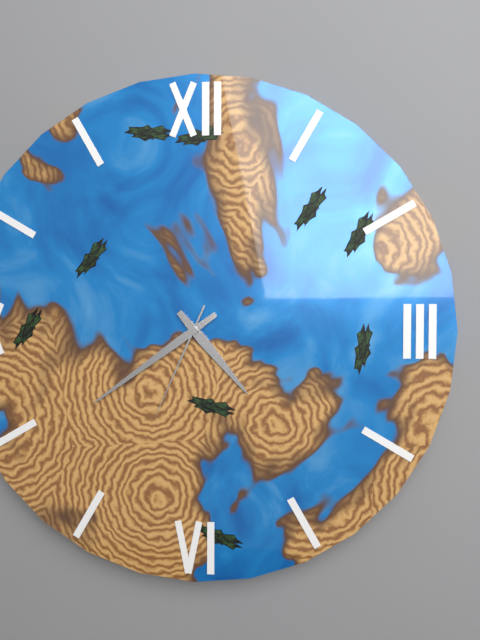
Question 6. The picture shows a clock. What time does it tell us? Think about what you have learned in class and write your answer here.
4:39:34
